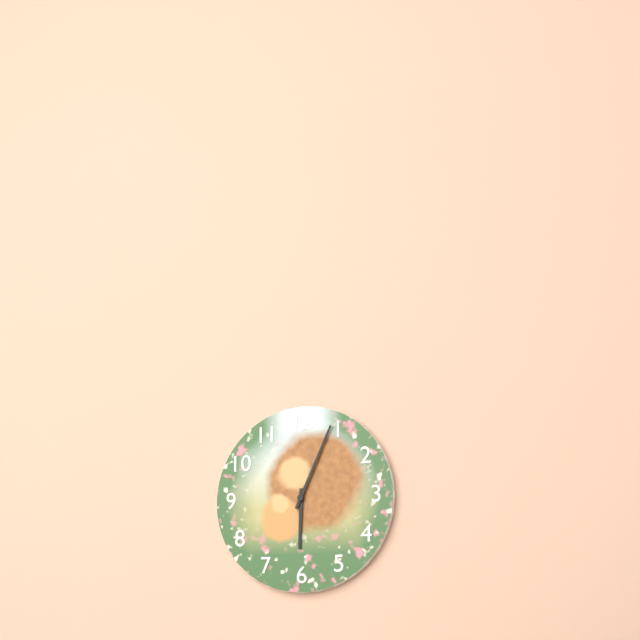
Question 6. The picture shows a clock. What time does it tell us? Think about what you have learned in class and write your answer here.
6:04
